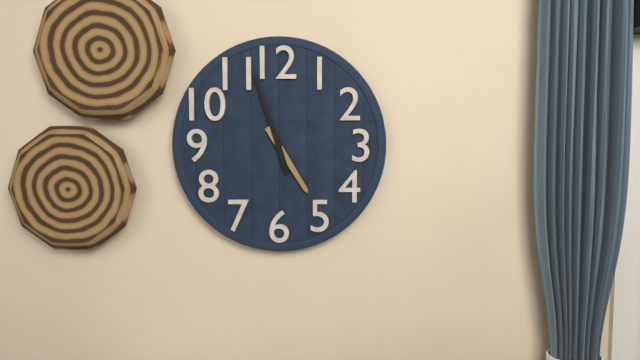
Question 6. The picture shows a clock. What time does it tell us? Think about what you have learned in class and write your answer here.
4:57
